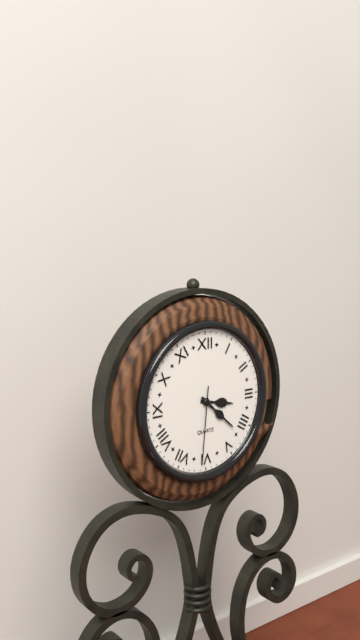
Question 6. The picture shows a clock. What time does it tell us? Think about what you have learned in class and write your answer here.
3:22:31
